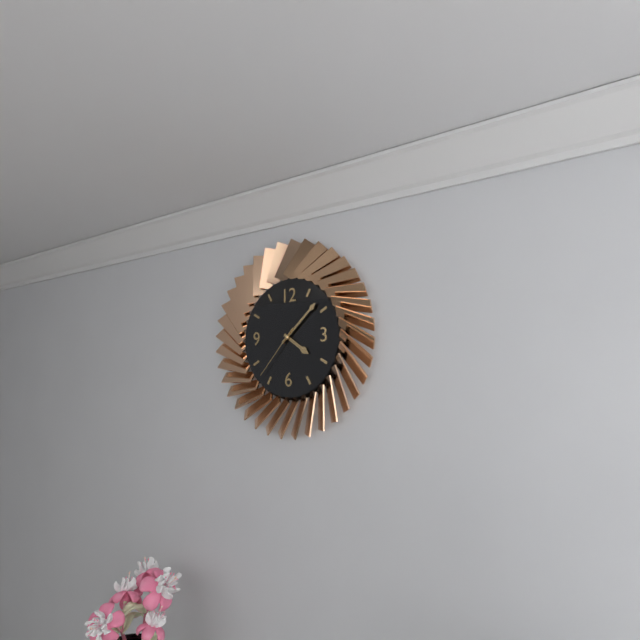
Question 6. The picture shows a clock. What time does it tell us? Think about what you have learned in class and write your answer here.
4:08:37
